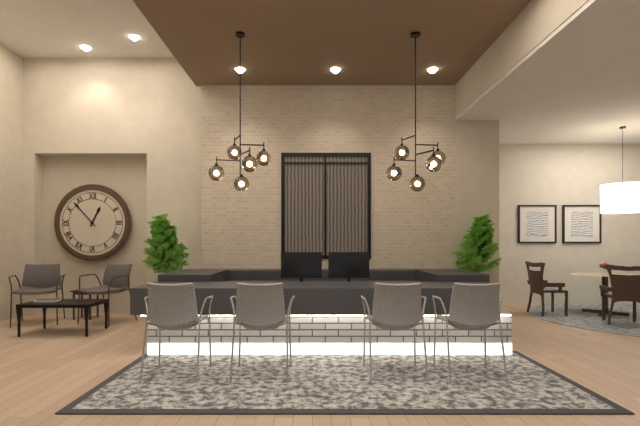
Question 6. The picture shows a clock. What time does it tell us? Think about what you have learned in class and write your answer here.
12:53
